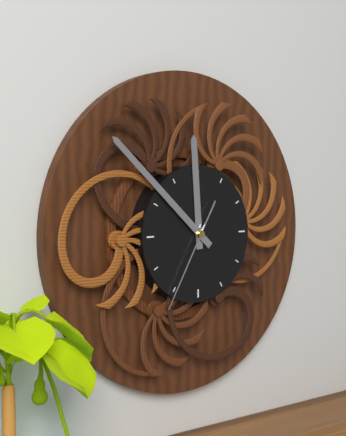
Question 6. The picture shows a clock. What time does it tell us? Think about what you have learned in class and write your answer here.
11:52:35
